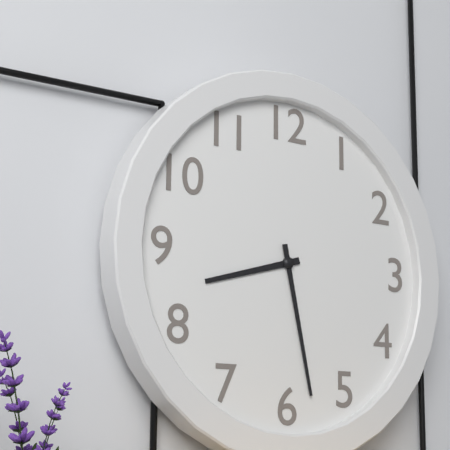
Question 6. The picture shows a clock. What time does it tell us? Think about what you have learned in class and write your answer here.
8:28
